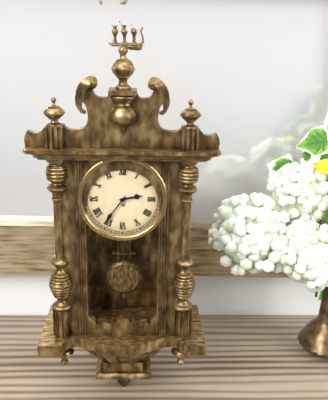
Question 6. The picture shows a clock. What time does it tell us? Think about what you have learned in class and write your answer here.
2:36
